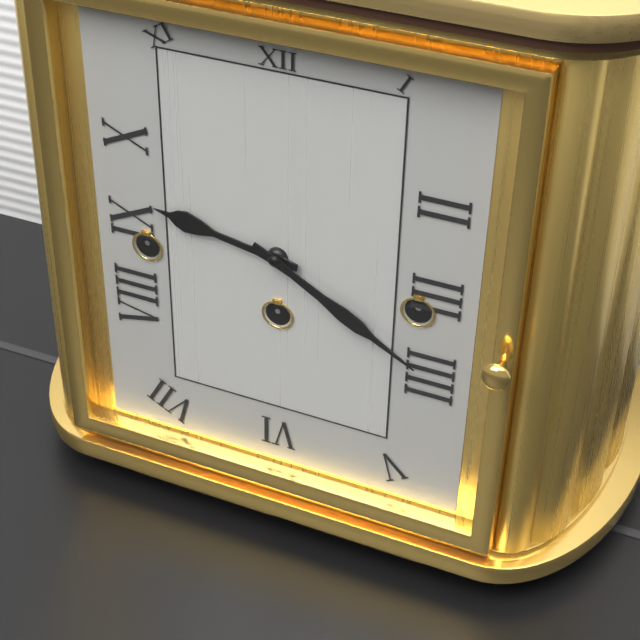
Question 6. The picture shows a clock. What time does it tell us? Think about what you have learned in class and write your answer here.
9:20
